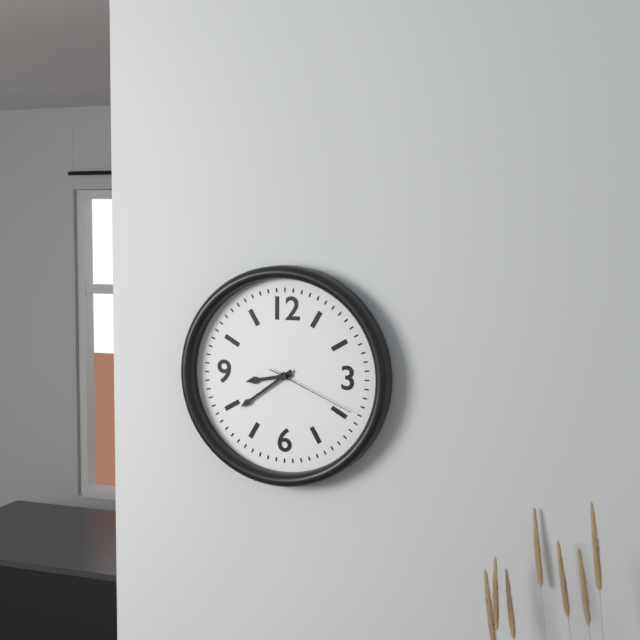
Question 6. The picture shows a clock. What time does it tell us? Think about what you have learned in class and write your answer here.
8:39:19
